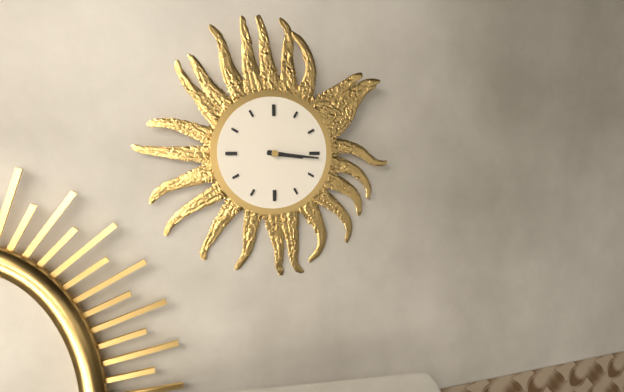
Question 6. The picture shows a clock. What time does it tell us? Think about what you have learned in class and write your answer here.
3:16
